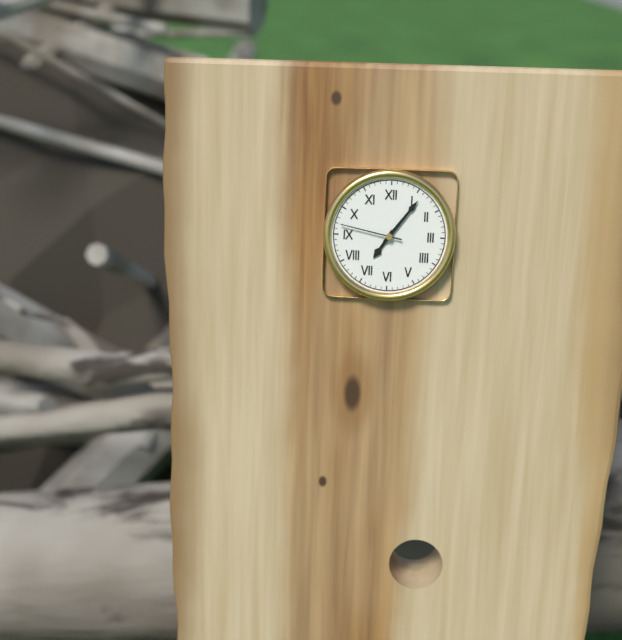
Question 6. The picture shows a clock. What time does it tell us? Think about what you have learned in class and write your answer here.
7:06:47
